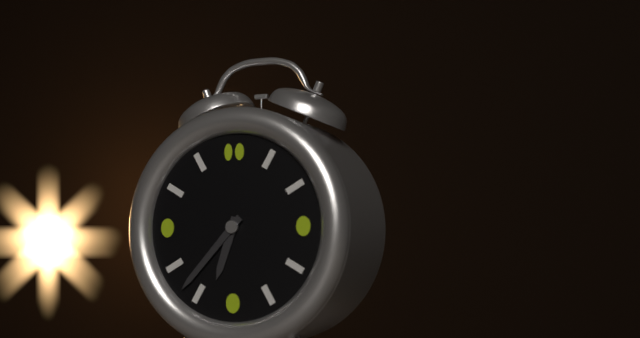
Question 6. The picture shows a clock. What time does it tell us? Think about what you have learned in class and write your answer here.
6:37
